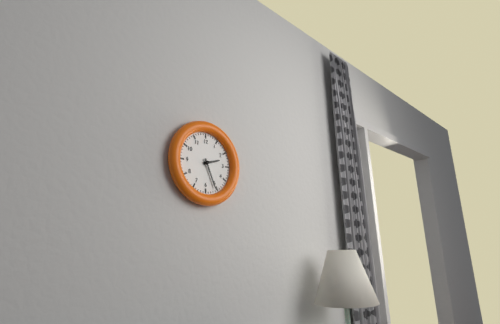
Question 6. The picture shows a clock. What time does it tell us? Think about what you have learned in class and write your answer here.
2:26
